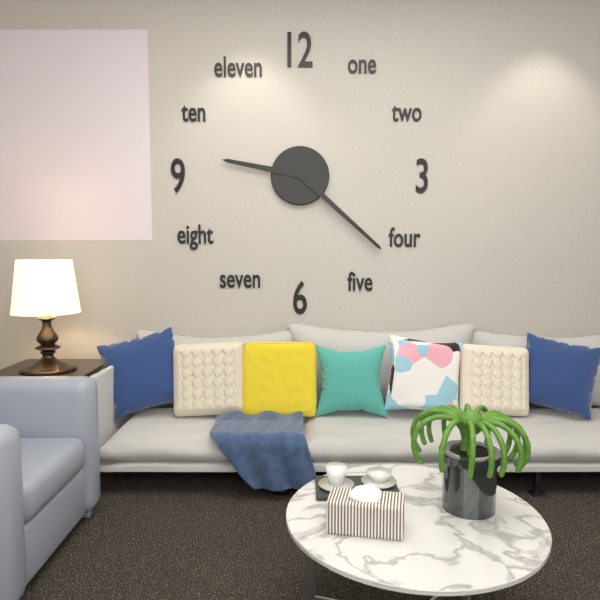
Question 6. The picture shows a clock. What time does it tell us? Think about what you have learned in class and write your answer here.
9:22
